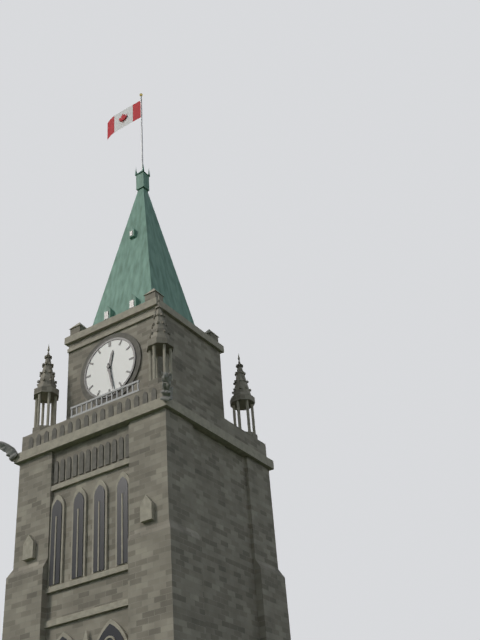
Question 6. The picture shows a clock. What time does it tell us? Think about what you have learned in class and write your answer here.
12:28
